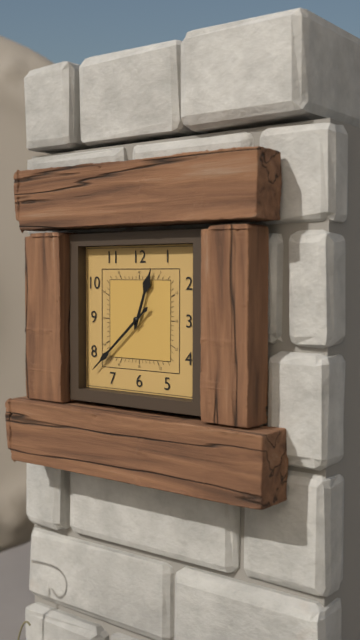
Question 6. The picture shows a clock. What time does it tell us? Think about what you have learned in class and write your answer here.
12:38
